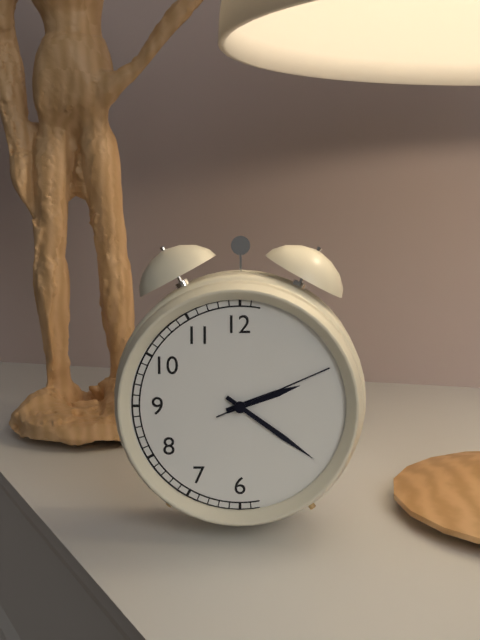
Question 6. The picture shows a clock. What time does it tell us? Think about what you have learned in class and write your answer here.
2:21:11
